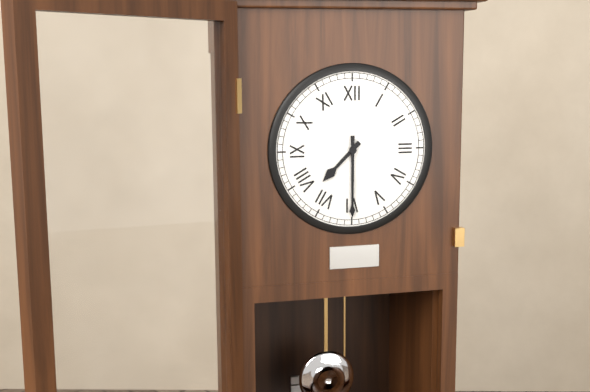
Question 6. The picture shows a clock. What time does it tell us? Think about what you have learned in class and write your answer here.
7:30
